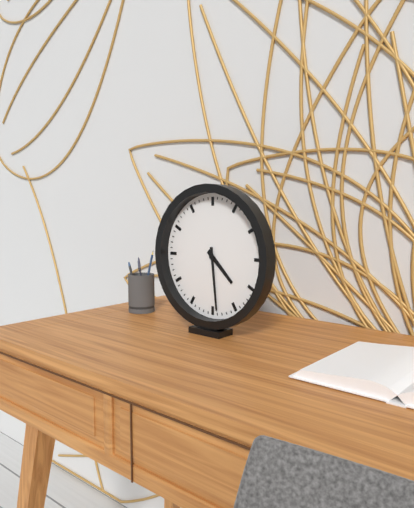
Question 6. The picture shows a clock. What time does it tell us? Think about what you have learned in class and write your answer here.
4:29
